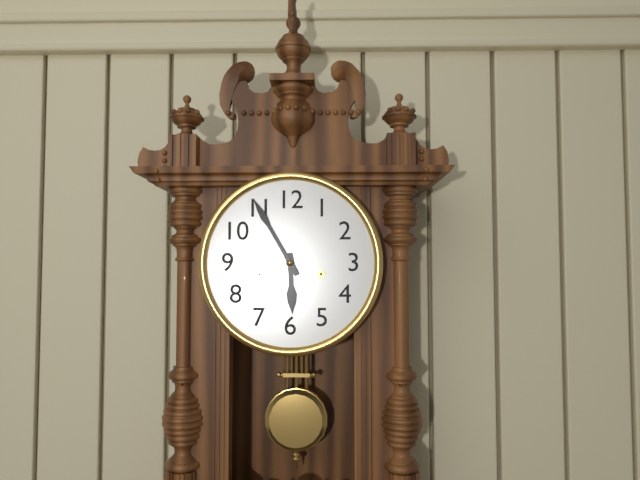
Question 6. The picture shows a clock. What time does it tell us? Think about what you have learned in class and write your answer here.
5:55
